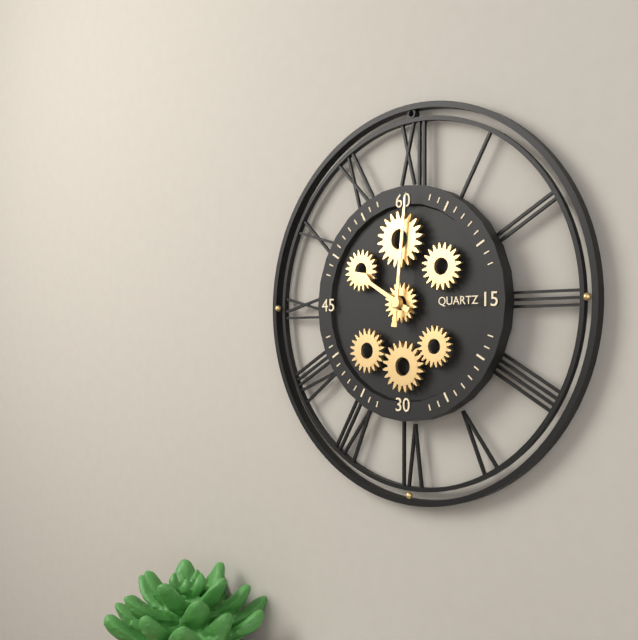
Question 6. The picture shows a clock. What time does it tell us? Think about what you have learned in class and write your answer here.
10:01
